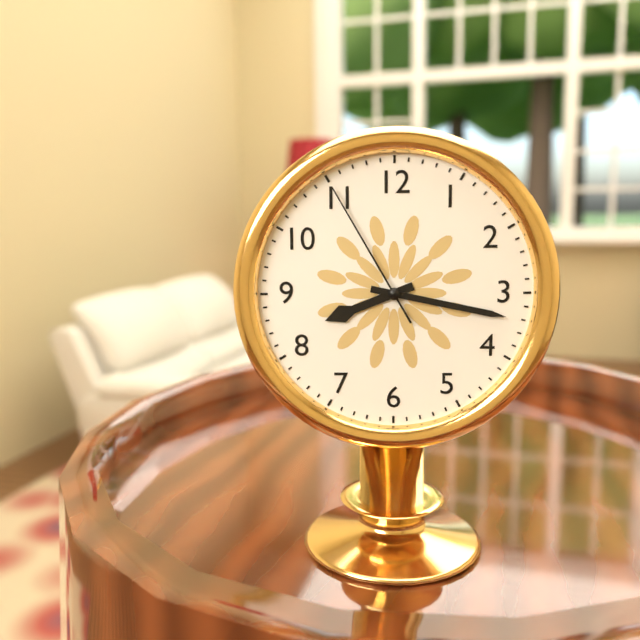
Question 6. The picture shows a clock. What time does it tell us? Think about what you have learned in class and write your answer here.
8:17:55
